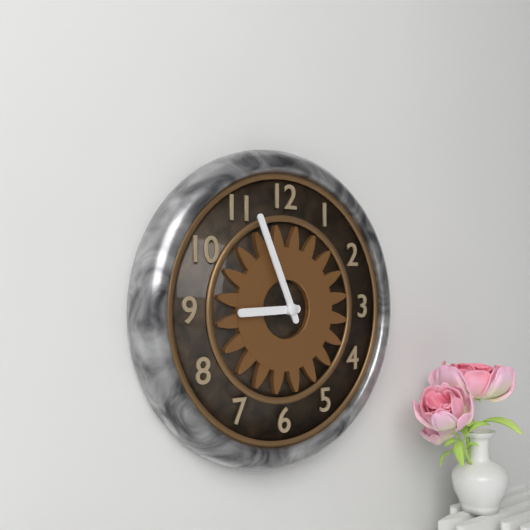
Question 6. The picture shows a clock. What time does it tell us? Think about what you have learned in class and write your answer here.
8:56
